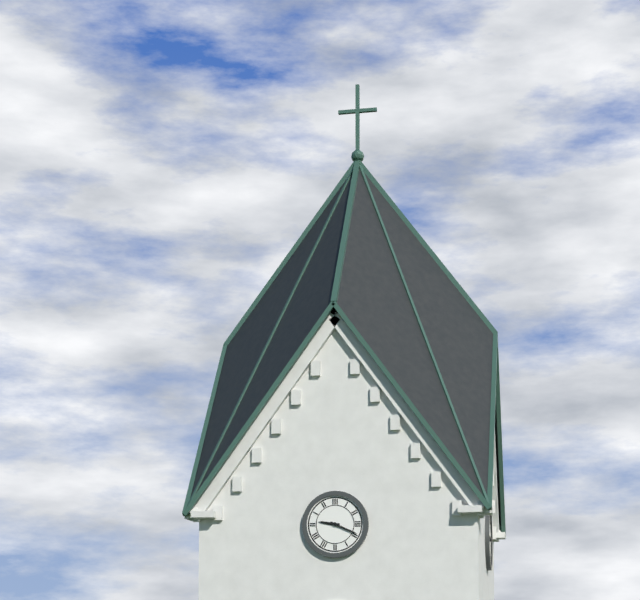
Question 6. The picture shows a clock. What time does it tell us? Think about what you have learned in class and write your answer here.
9:19
